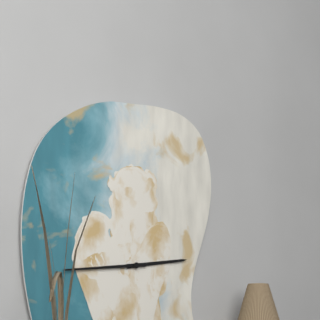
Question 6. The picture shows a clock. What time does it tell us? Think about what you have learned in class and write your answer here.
2:44
